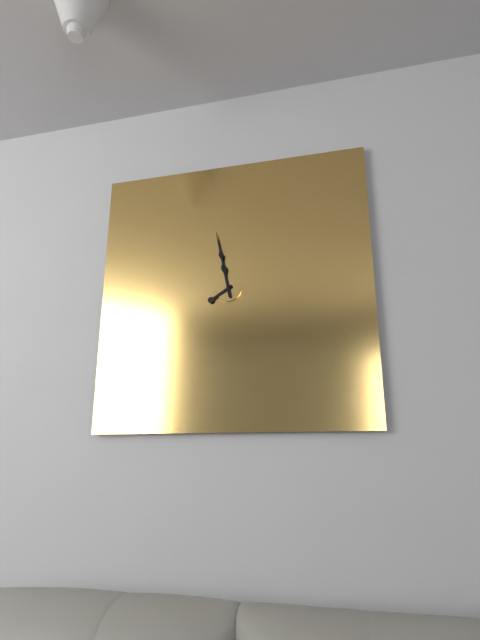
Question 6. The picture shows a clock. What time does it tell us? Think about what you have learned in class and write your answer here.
7:58
